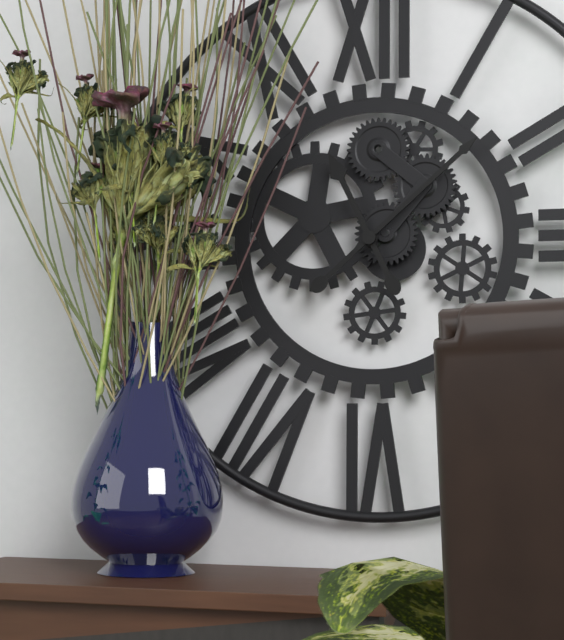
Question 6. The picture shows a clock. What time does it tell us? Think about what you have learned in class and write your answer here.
11:08
